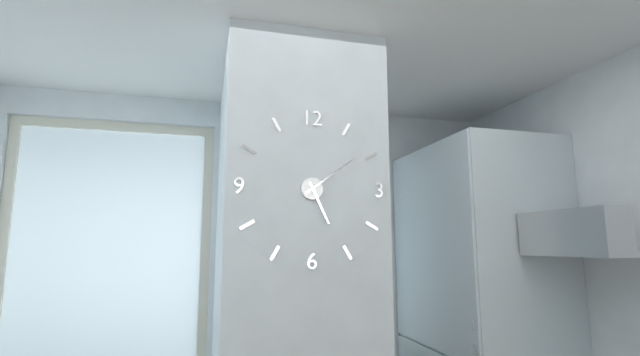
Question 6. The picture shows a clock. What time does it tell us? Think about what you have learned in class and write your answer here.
5:09
